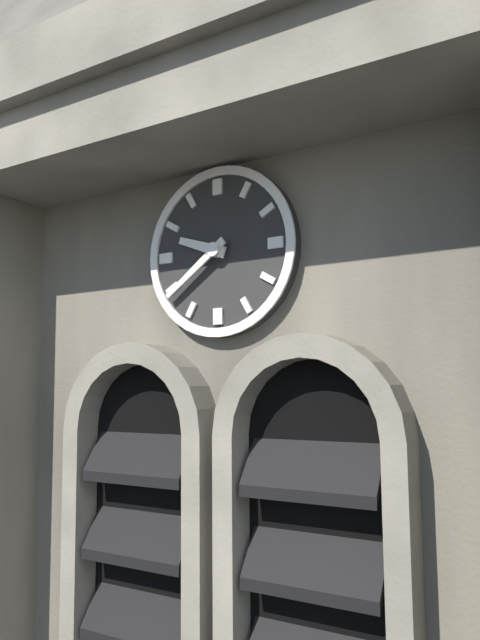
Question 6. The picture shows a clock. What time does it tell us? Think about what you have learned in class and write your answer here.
9:39
